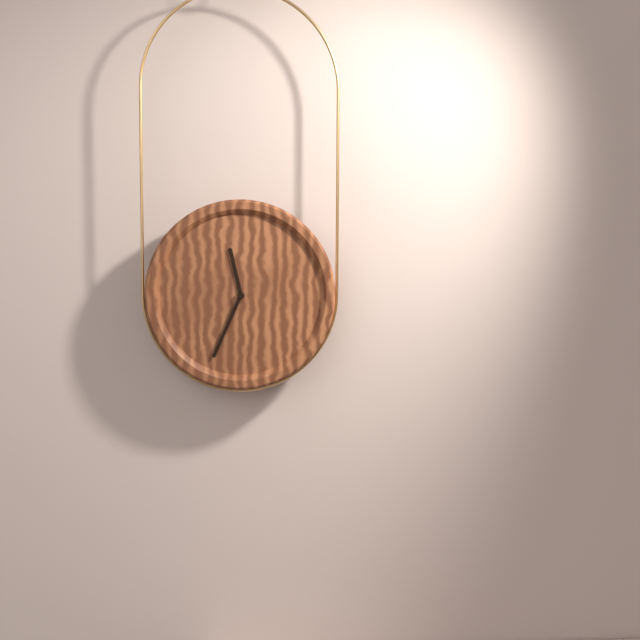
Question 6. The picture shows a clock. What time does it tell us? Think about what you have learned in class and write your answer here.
11:34
